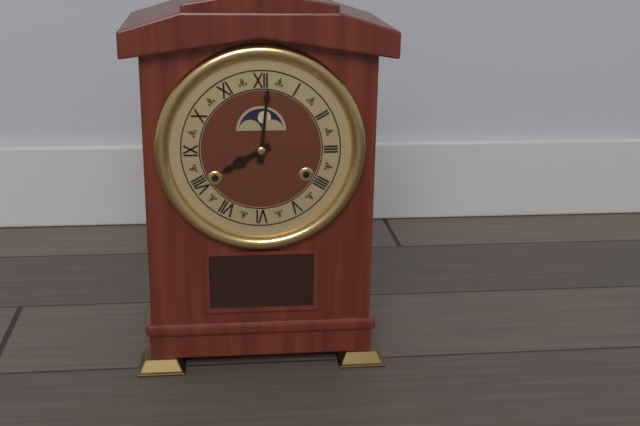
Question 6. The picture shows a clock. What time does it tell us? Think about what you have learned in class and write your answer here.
8:01
